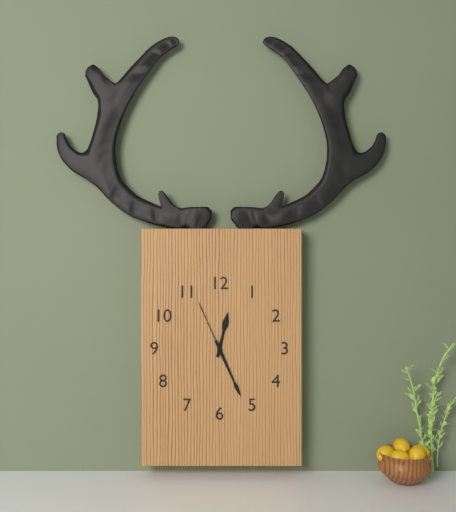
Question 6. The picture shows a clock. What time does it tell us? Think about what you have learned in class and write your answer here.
12:26:56
